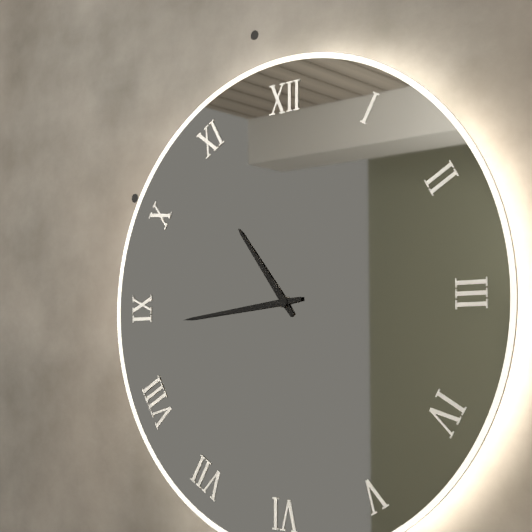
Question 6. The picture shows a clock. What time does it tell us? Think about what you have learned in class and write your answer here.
10:44
